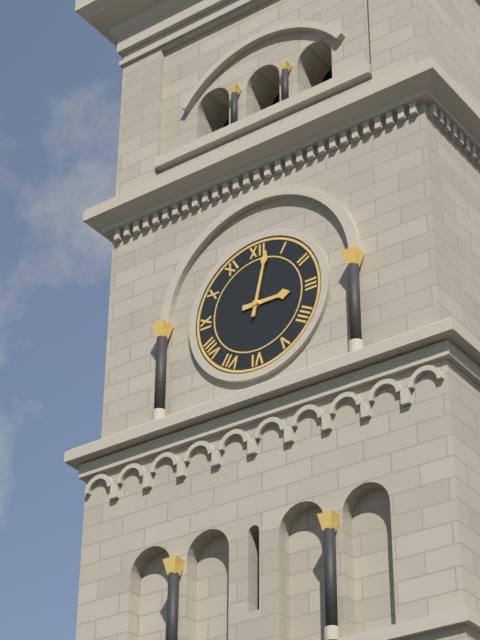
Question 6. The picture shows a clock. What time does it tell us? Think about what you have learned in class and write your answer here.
3:02
